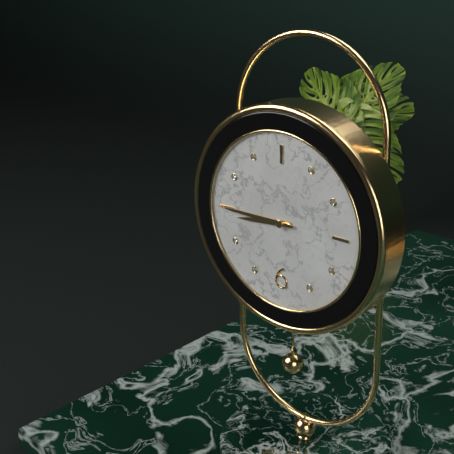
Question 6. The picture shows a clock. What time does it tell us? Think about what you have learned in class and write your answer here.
8:45
